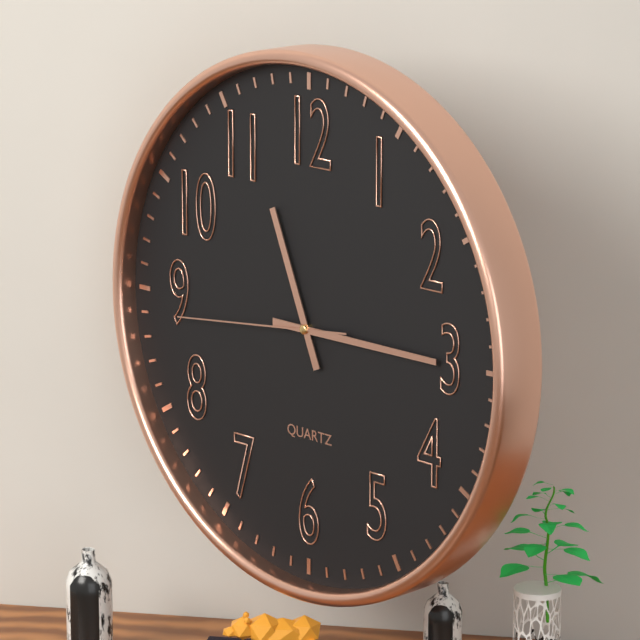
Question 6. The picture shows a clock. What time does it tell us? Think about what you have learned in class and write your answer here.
11:15:44
